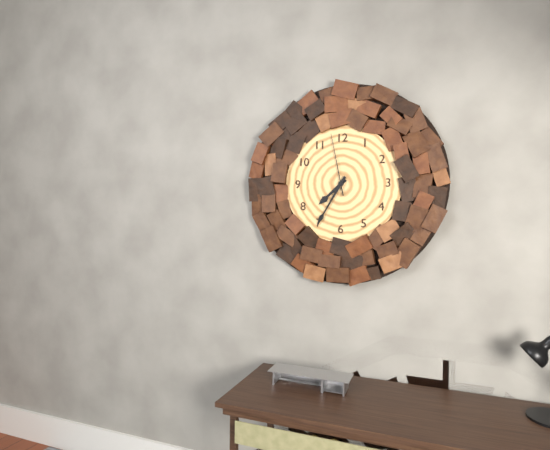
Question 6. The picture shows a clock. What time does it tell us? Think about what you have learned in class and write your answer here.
7:35:58
